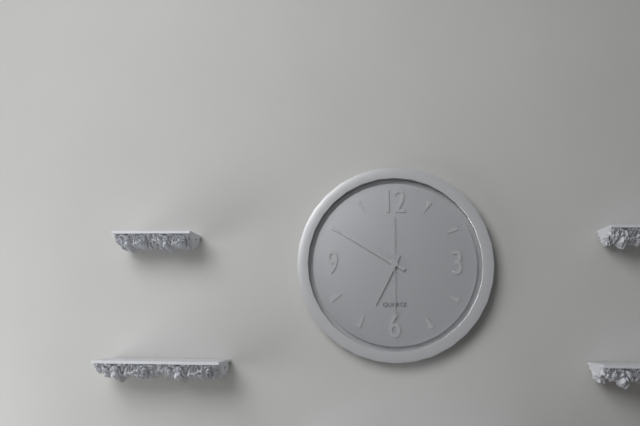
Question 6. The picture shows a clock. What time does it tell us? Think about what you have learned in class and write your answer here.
6:50:30
